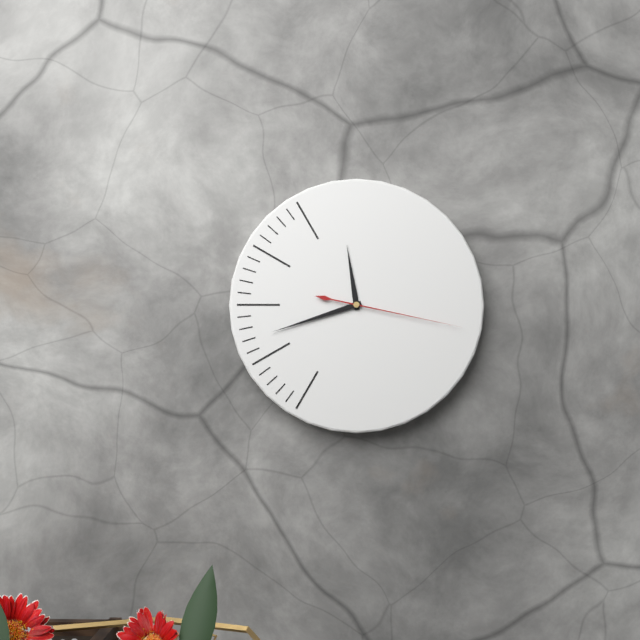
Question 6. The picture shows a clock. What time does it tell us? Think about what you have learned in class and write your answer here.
11:42:17
